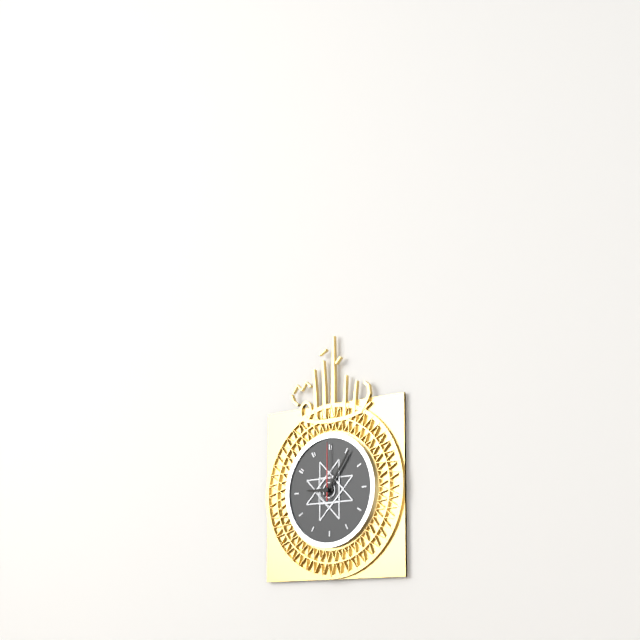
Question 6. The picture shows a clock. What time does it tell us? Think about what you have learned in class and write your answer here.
9:06:00
